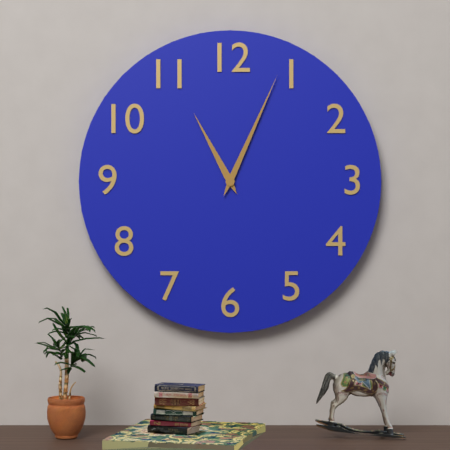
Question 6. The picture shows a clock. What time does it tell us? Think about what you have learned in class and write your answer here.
11:04
